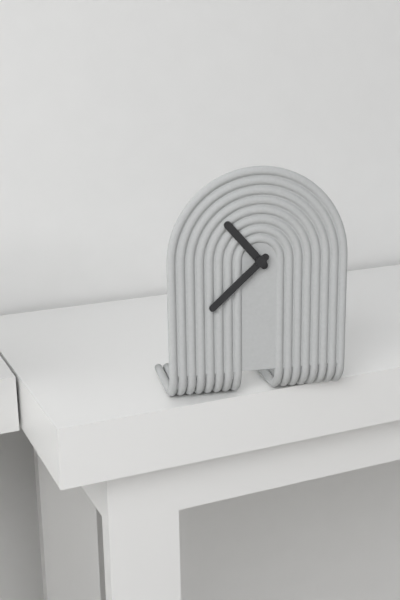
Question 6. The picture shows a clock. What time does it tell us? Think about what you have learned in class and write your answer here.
10:38
